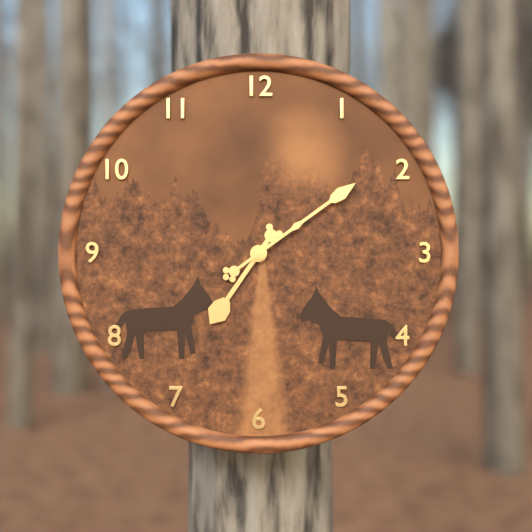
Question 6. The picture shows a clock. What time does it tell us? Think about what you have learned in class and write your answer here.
7:09
